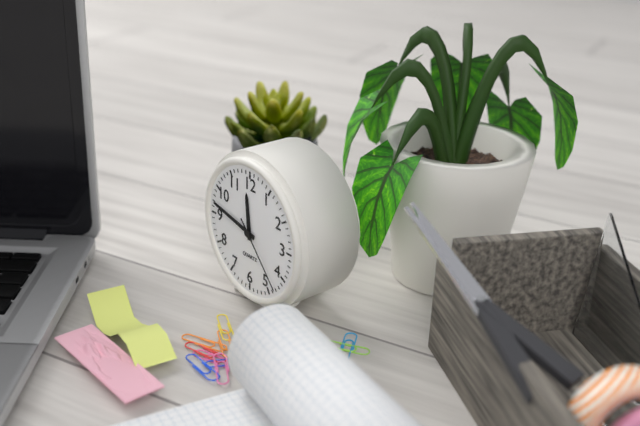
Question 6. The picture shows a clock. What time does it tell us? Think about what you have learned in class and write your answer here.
11:47:23
